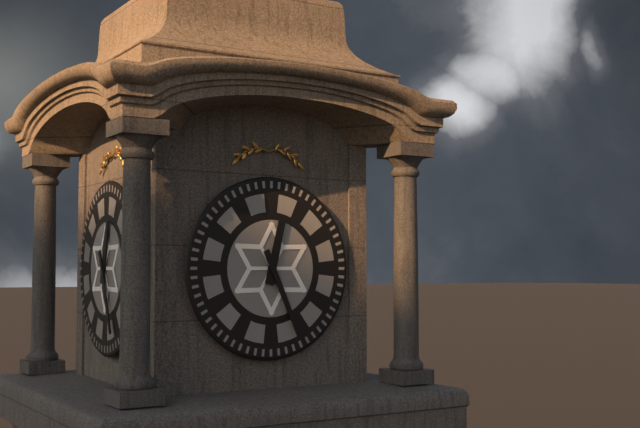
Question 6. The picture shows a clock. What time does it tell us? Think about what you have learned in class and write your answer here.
12:26
